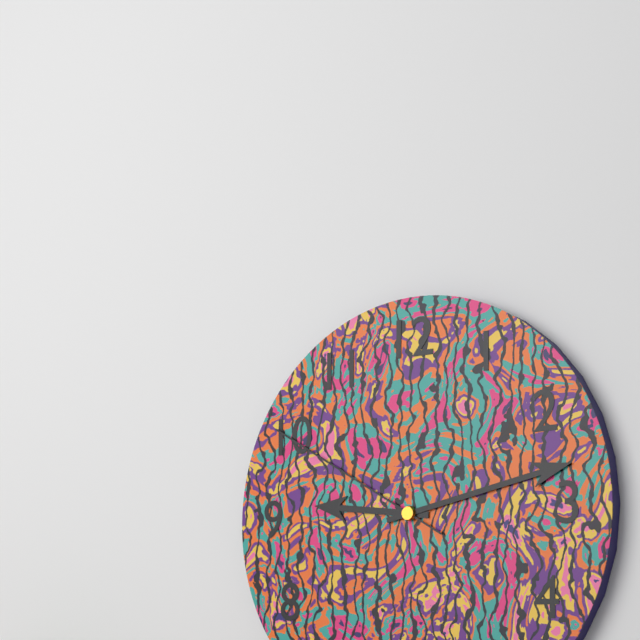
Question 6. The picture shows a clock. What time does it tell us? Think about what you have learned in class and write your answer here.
9:13:50
